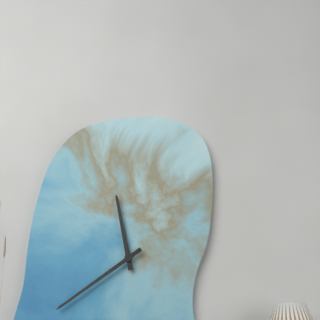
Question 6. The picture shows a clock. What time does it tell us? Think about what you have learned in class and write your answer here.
11:39
